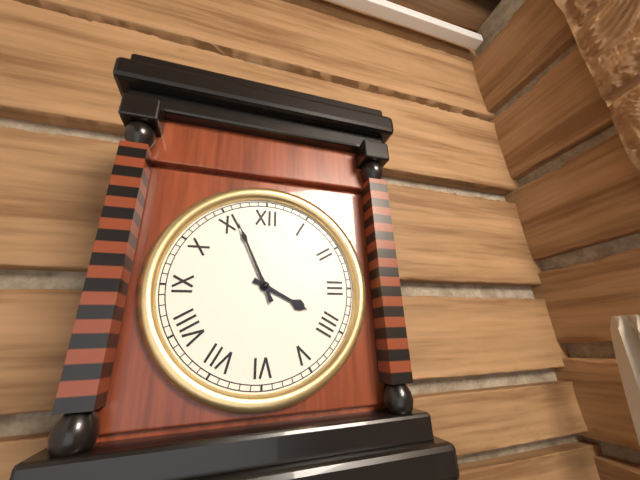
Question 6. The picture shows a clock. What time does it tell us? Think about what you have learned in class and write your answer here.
3:56
